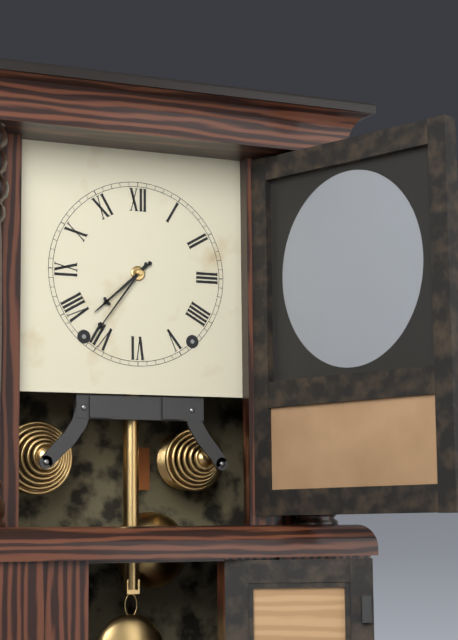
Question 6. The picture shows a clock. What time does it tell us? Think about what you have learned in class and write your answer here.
7:36
